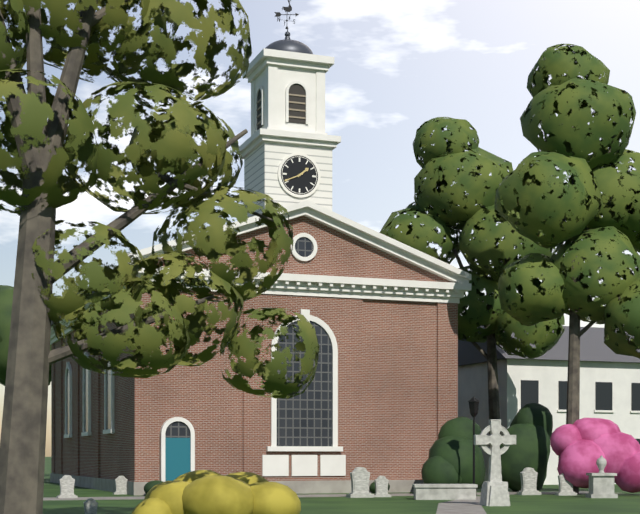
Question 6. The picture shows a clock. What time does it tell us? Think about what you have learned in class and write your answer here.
1:41
